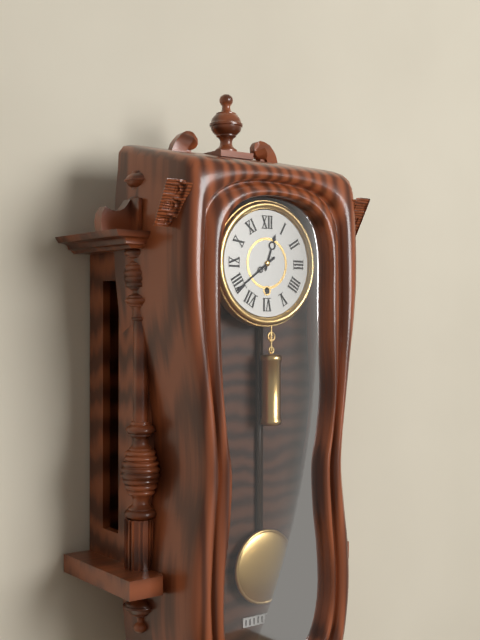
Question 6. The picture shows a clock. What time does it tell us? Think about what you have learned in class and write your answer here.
12:39
